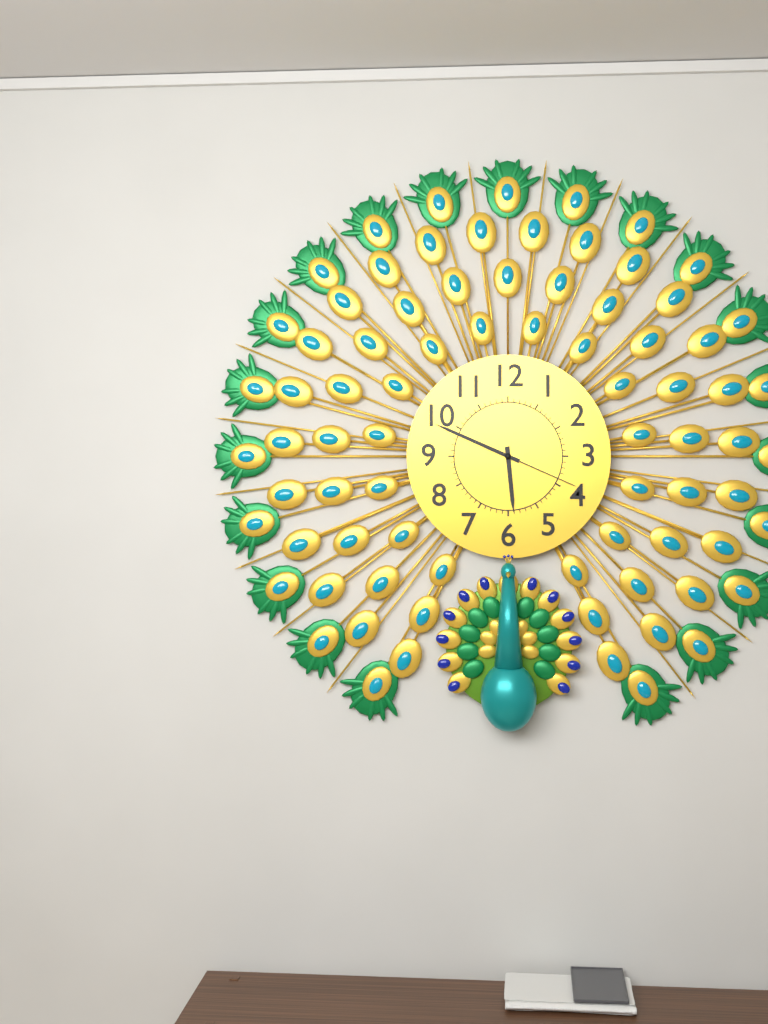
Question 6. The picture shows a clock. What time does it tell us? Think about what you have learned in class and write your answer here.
5:49:19
